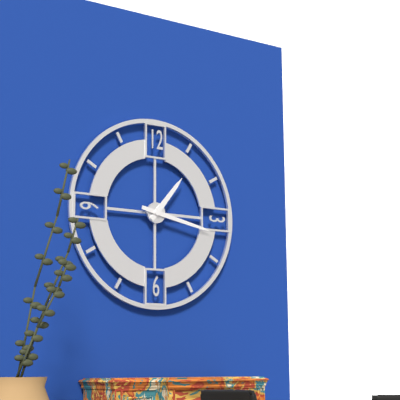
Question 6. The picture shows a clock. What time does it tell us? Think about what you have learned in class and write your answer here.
1:17
